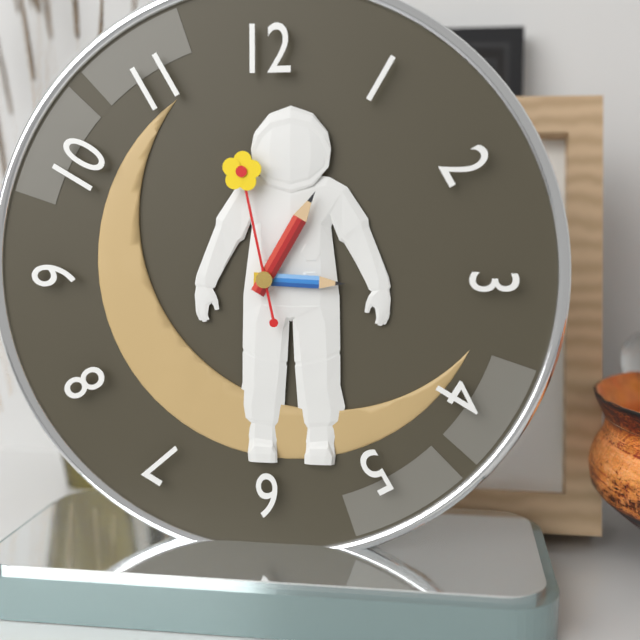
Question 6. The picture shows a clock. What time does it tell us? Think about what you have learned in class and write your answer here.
3:05:58
